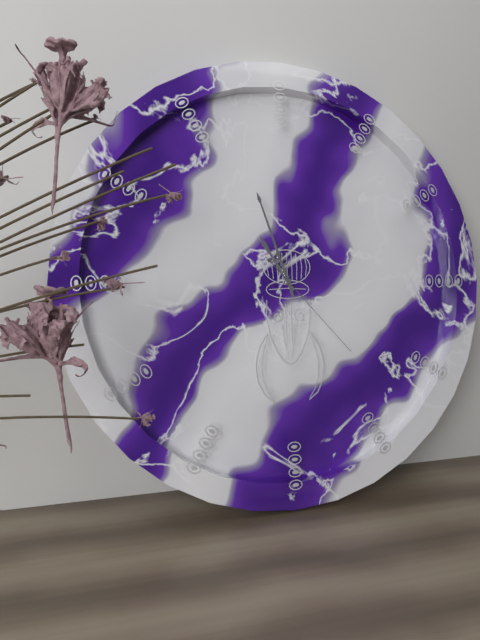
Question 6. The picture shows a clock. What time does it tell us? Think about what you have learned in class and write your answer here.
10:57:23
